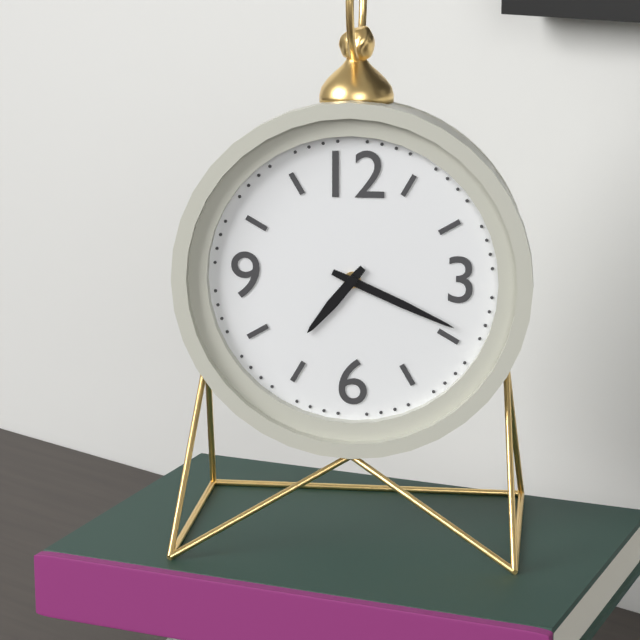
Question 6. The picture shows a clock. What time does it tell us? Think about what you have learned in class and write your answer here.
7:19
